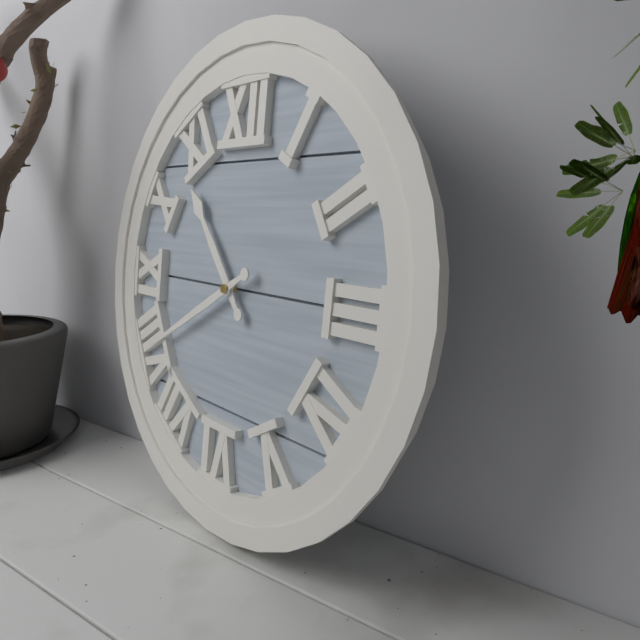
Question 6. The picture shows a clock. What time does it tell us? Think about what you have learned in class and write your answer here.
10:40
